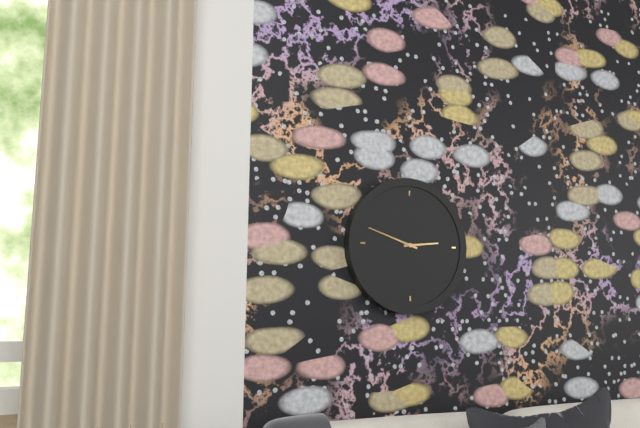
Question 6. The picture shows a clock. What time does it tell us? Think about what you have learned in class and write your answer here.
2:48
